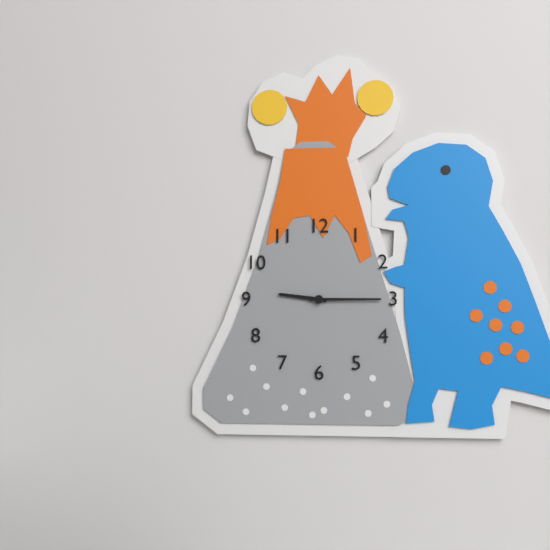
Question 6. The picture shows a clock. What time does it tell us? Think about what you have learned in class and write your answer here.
9:15
